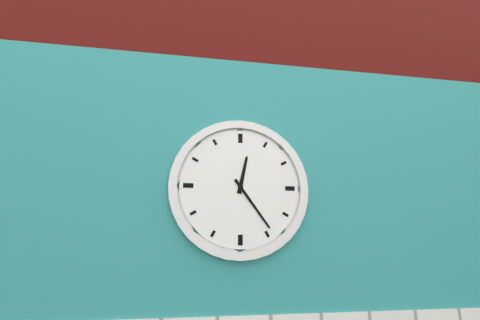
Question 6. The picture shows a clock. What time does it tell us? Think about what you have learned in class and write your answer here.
12:24
